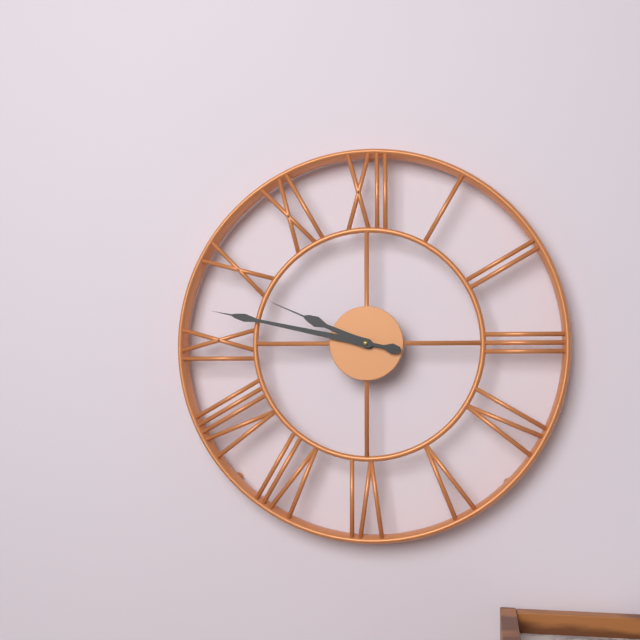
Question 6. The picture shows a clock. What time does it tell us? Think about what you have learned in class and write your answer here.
9:47
